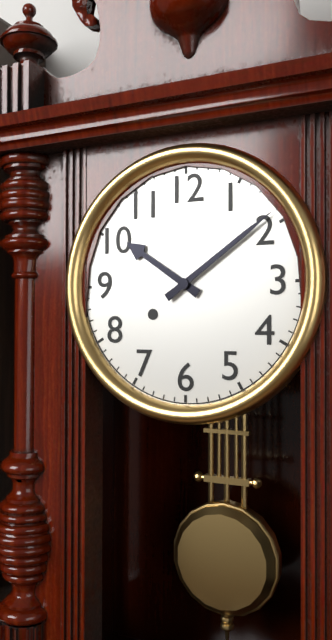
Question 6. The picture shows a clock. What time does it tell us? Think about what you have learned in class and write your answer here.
10:09
